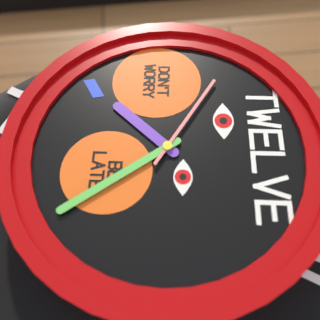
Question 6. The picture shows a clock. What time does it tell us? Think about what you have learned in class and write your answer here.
7:24:50
